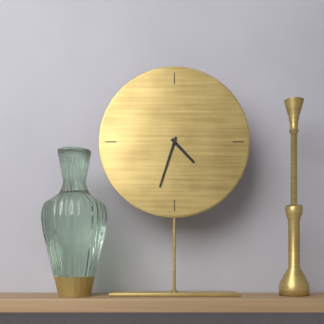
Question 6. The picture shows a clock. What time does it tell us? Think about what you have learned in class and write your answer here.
4:33
